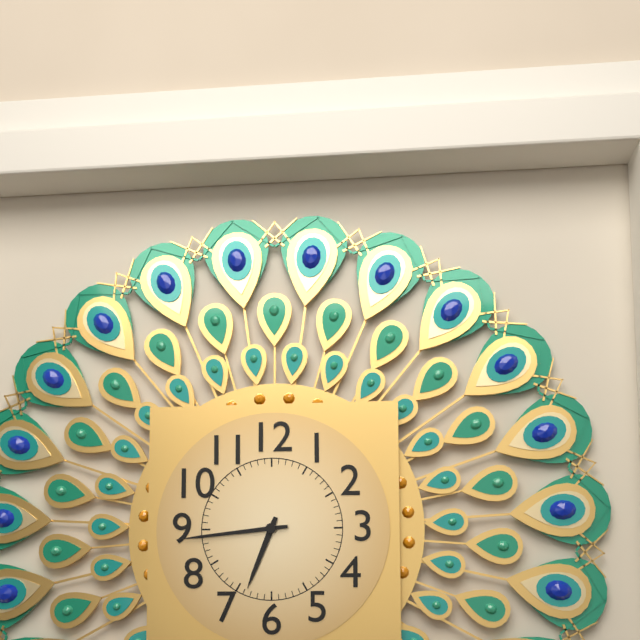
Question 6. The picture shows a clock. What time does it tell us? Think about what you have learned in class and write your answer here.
6:44
